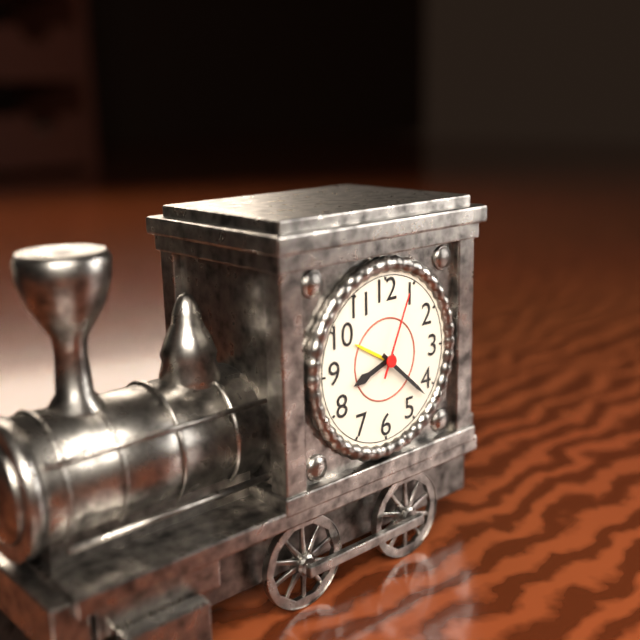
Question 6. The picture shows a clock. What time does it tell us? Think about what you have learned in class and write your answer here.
8:22:04
